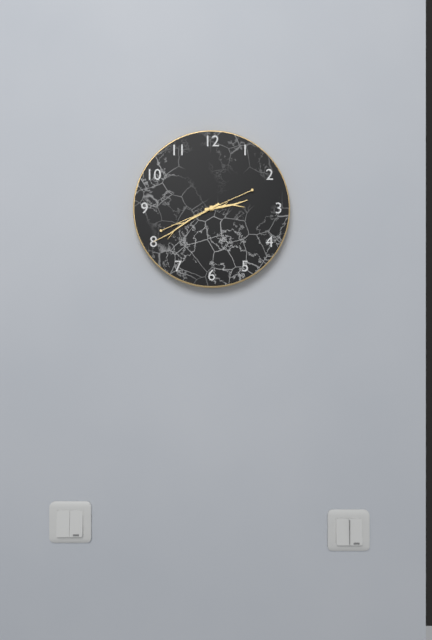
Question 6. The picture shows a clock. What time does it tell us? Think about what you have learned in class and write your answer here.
2:40:41
